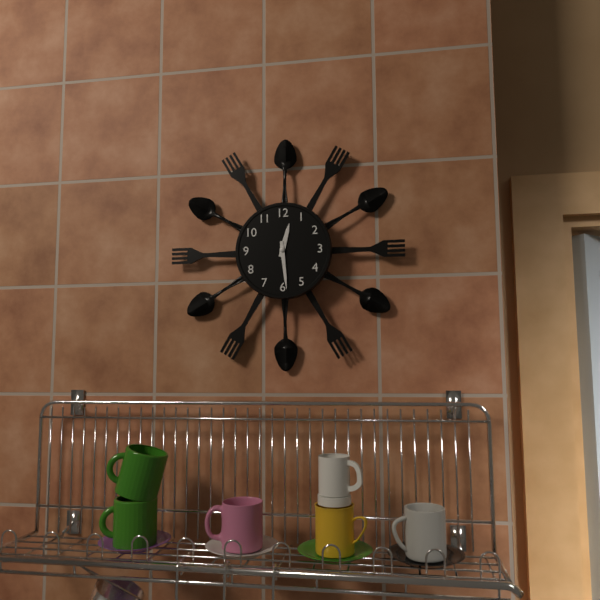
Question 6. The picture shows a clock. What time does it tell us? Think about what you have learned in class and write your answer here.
12:29
